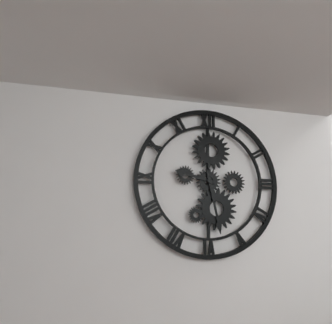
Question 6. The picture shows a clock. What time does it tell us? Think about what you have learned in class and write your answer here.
9:28
